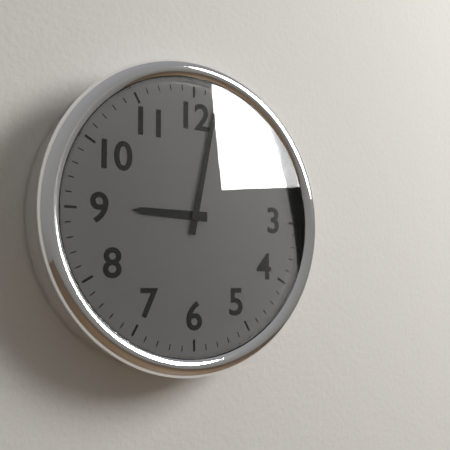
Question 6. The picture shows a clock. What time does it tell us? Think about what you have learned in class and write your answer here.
9:02
